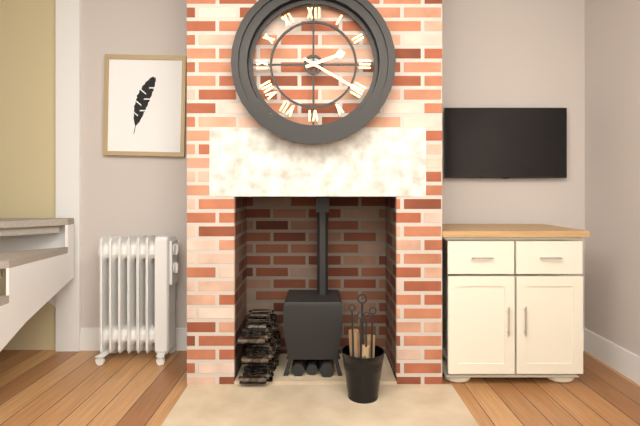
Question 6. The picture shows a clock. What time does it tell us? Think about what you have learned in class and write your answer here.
2:20
